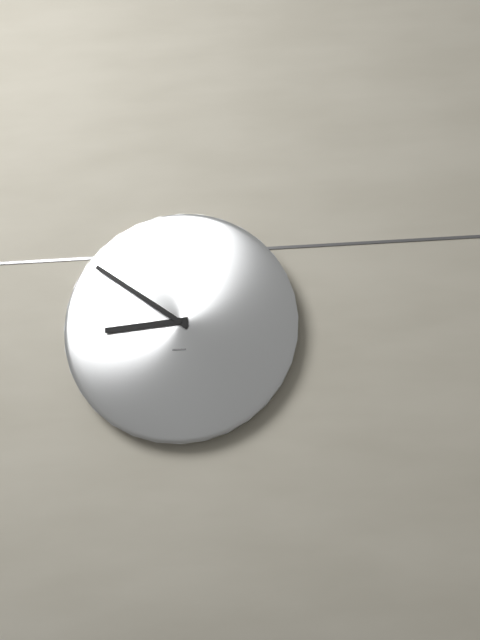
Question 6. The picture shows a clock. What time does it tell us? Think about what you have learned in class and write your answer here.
8:51
